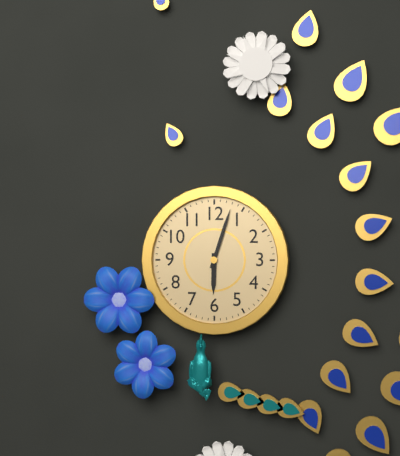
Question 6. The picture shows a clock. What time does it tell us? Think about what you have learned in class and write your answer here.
6:03
